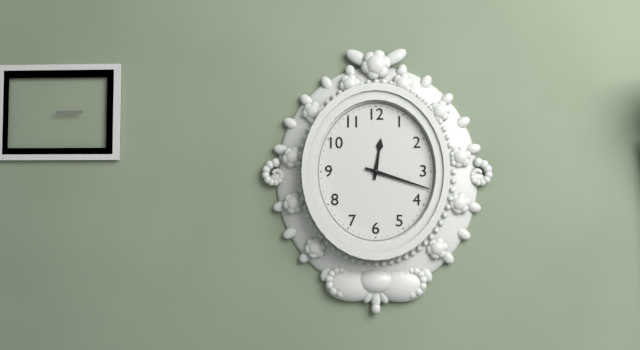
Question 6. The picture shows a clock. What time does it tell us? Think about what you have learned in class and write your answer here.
12:18
